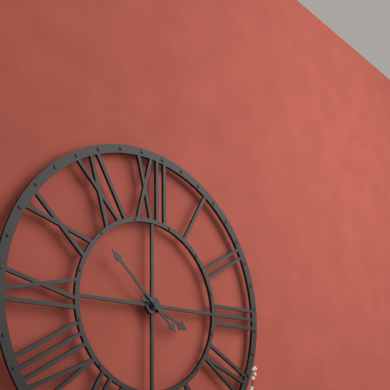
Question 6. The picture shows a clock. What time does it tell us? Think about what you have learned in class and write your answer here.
3:52
